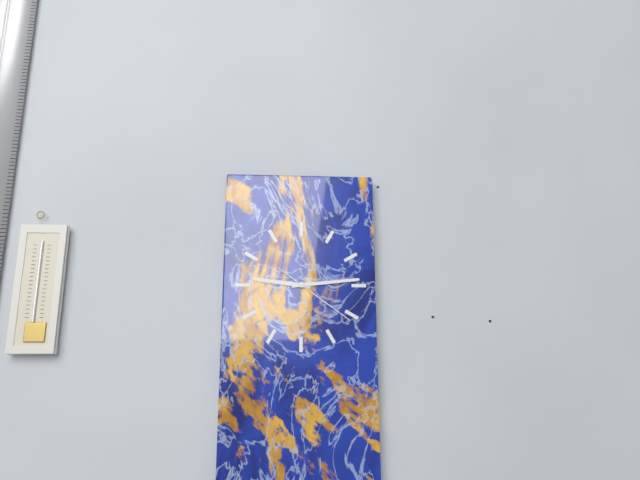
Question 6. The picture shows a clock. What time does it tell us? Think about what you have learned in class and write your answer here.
9:14:21
